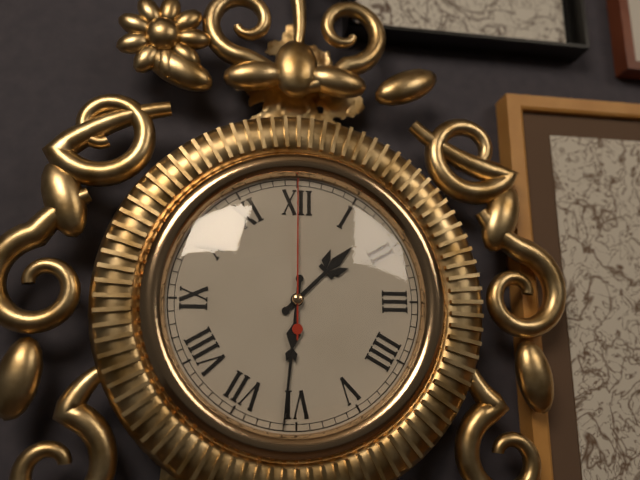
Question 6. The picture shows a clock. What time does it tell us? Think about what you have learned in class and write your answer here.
1:31:00
